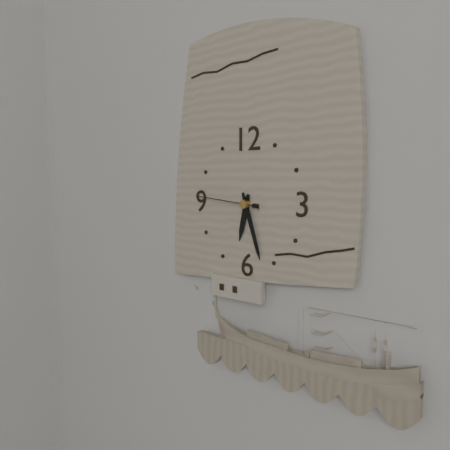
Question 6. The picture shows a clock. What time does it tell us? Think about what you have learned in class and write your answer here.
6:27:46
